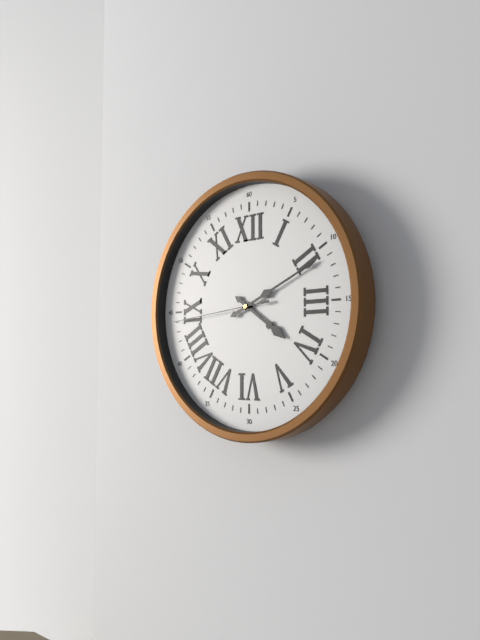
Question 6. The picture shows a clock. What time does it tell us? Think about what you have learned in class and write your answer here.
4:11:44
